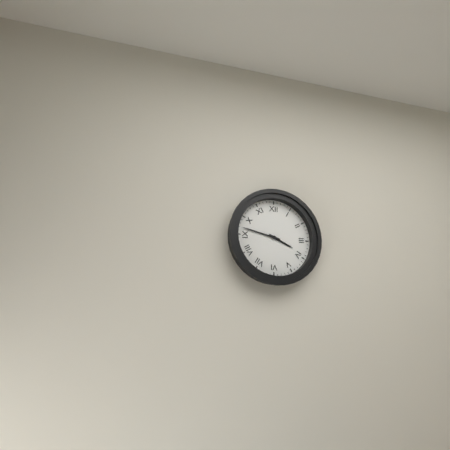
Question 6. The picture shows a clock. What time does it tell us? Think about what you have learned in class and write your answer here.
3:47
